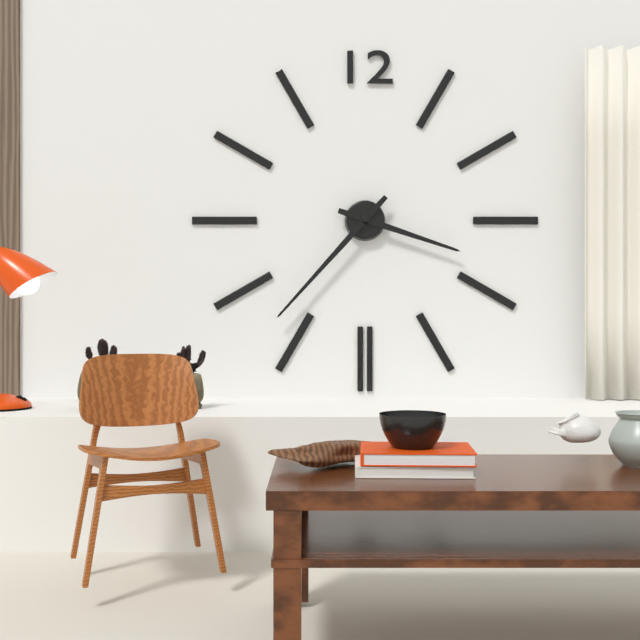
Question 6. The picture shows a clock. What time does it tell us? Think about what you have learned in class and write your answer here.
3:37
